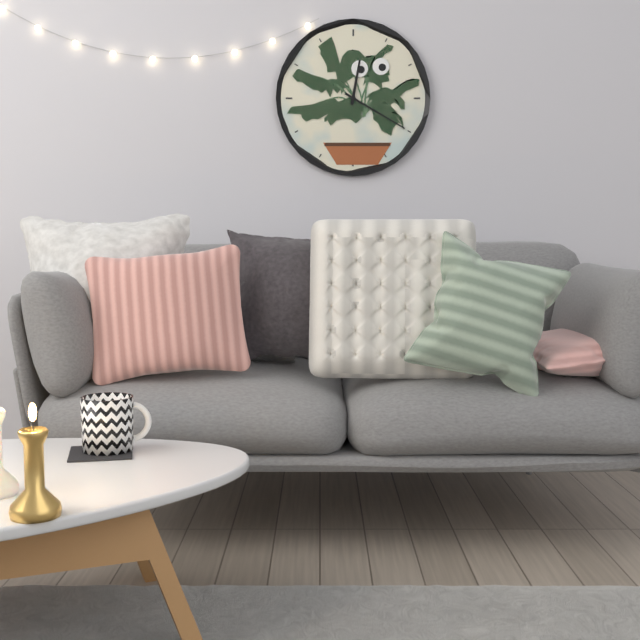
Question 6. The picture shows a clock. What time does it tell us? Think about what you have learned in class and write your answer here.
12:20
